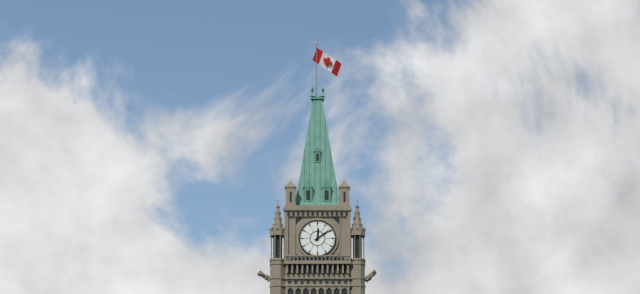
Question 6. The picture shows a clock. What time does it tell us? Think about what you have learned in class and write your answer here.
12:09
